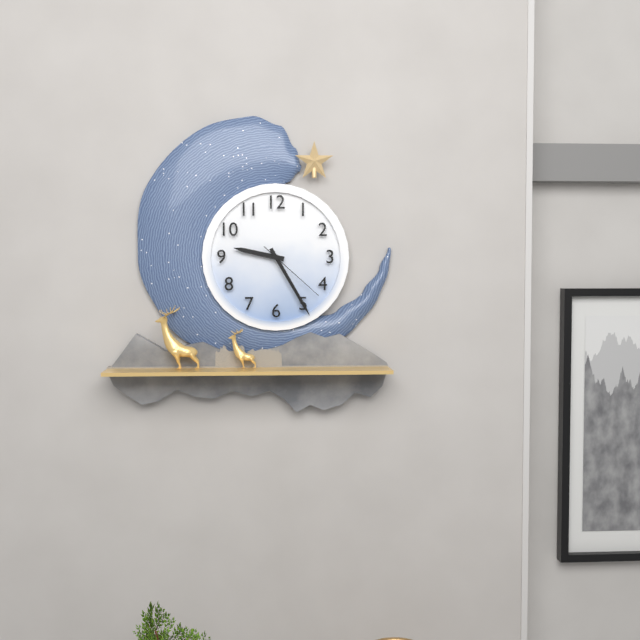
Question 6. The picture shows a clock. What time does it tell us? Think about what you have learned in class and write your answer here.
9:25:22
